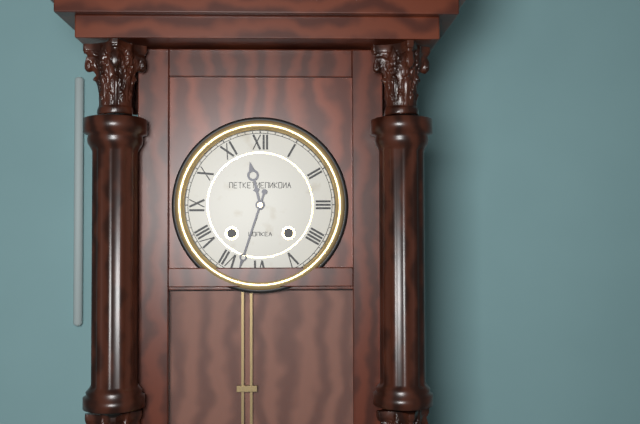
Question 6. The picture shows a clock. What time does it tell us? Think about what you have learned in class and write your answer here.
11:33
